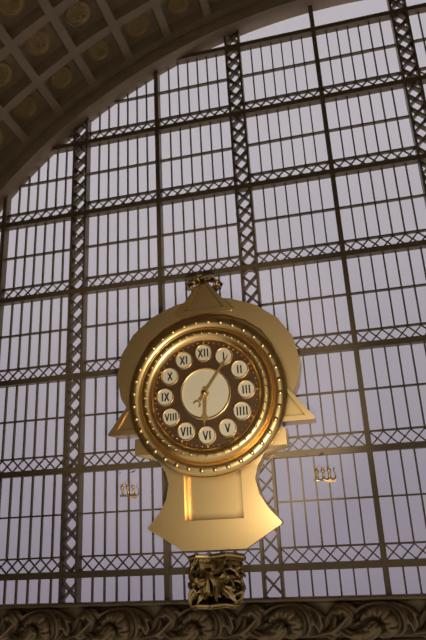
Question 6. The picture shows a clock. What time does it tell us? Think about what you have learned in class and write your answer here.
6:06
